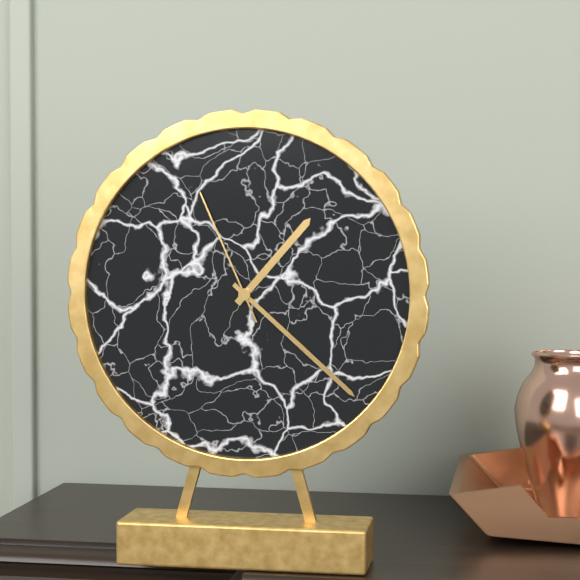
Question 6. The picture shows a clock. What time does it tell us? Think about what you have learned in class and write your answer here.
1:22:56
